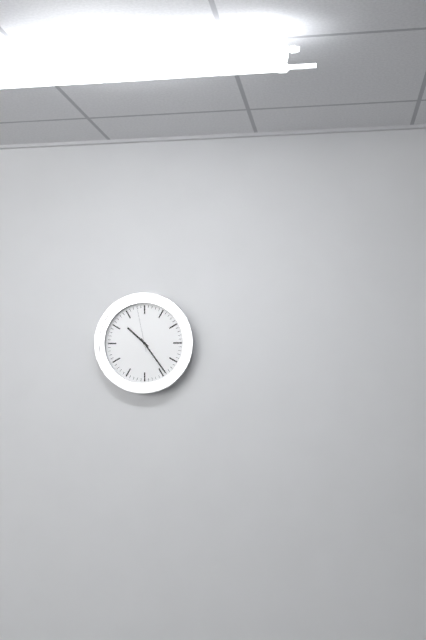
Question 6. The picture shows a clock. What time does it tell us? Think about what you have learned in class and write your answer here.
10:24
